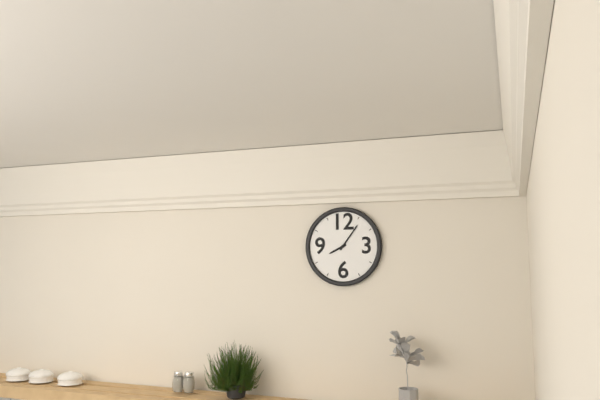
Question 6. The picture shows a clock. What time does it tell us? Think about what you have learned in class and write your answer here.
8:06
